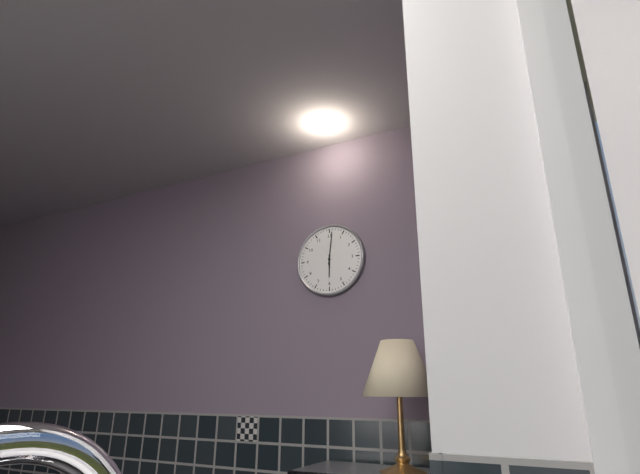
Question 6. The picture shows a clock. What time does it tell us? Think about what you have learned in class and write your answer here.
6:01
